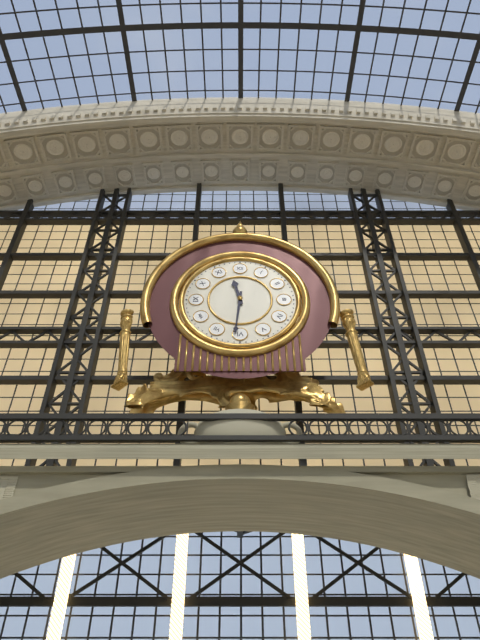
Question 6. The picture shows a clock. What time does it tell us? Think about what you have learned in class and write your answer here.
11:31
